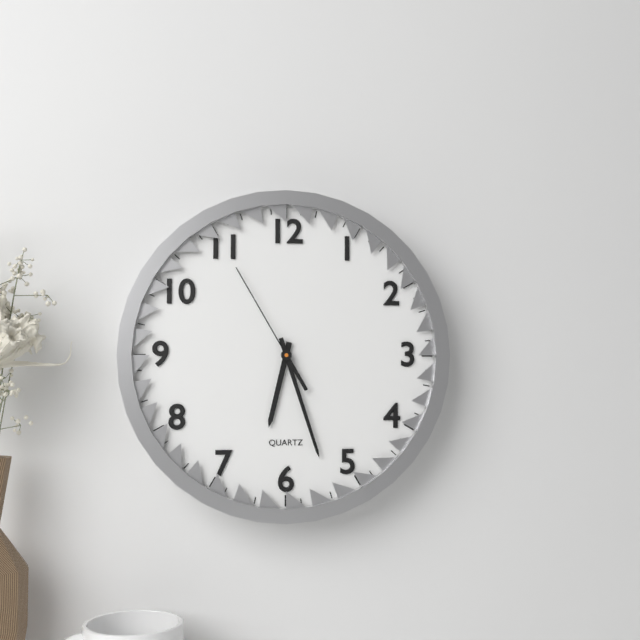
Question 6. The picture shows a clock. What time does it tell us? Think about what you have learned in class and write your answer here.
6:27:55
